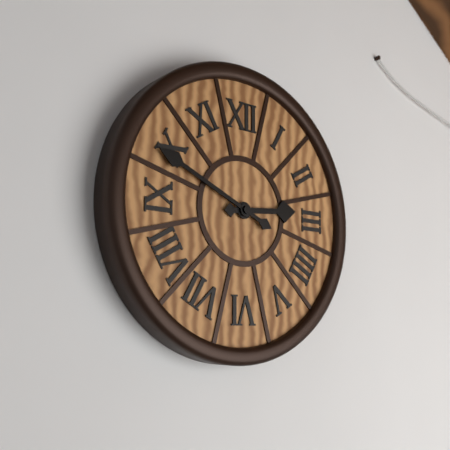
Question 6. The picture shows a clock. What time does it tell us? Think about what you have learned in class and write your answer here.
2:49
